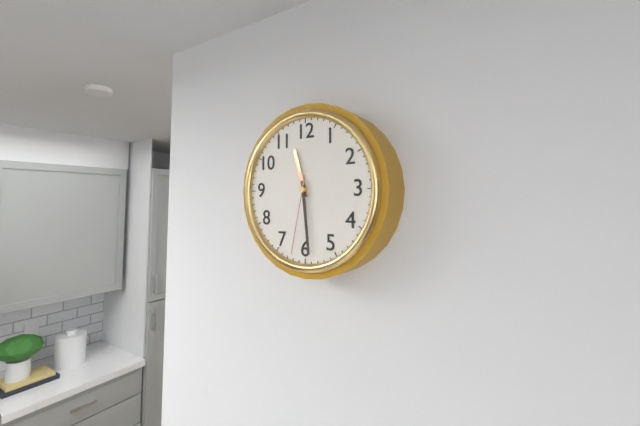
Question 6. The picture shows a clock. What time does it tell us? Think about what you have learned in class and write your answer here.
11:29:32
